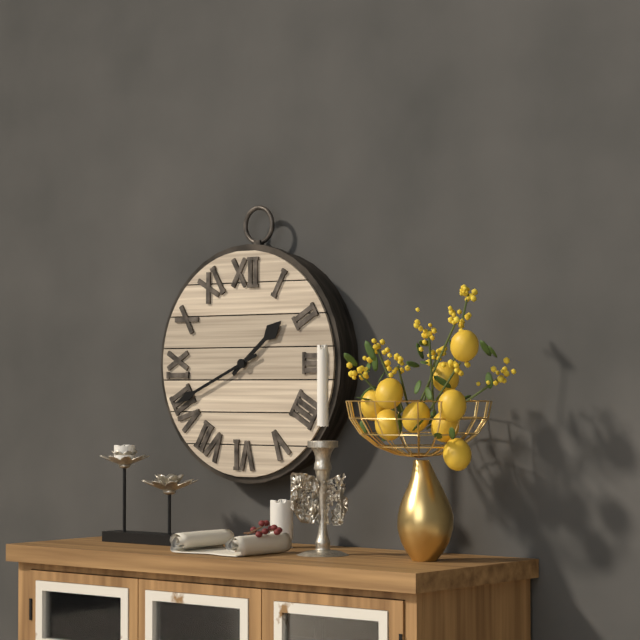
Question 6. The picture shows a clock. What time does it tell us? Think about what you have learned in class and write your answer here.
1:41
